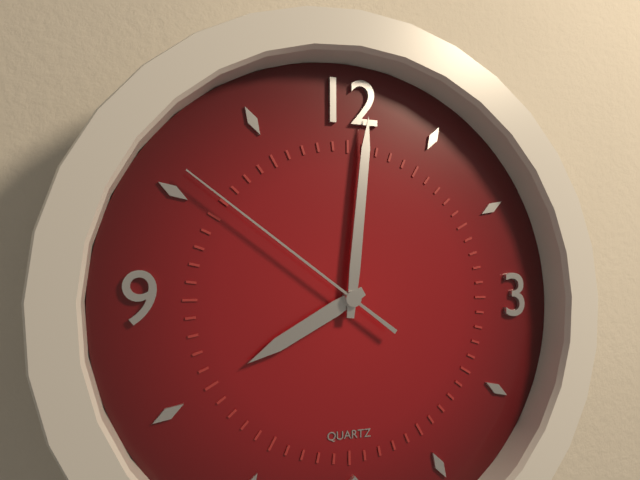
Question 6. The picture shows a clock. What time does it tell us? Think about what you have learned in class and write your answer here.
8:01:51
